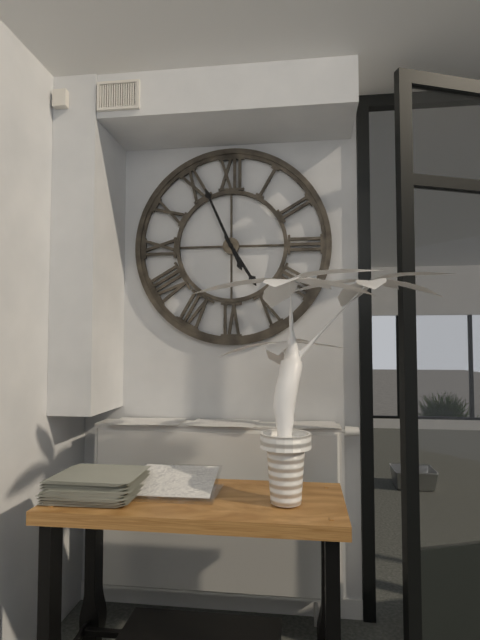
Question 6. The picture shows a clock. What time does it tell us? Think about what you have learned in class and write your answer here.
4:56
